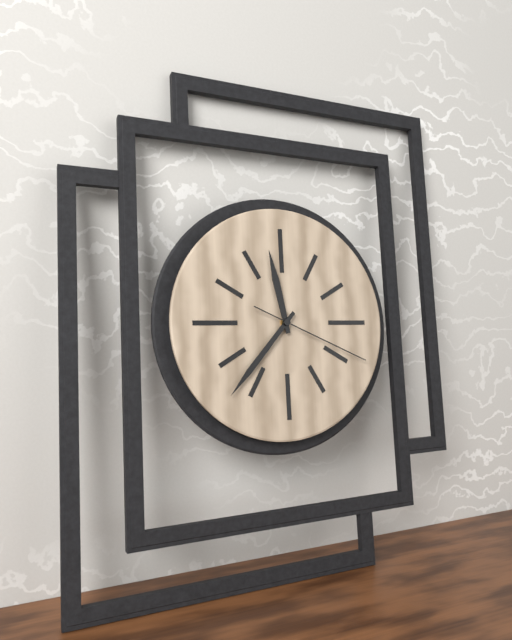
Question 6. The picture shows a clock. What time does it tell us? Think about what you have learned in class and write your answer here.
11:37:19
